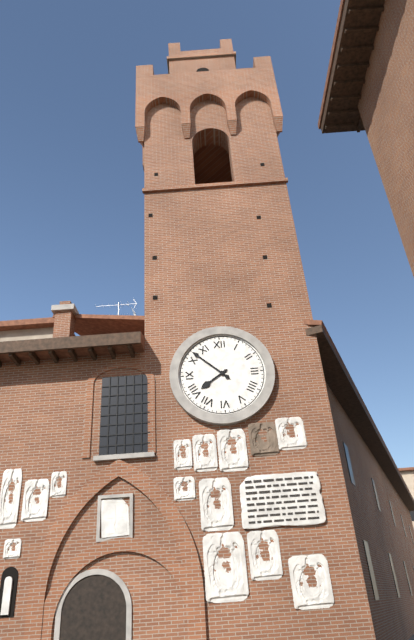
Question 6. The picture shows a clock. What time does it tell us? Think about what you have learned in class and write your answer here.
7:52
